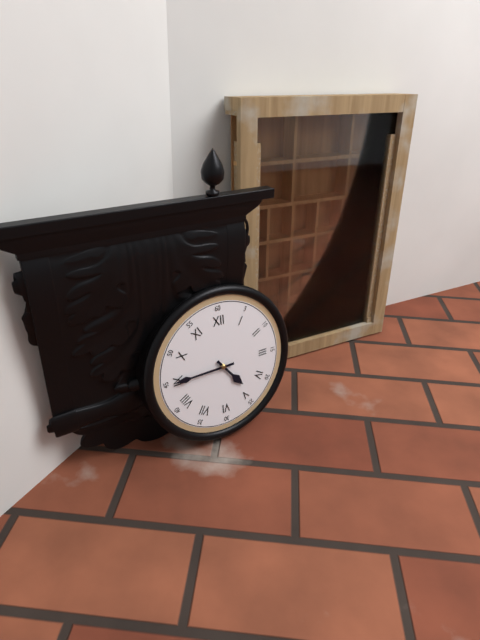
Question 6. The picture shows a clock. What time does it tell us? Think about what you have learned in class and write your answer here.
4:45
